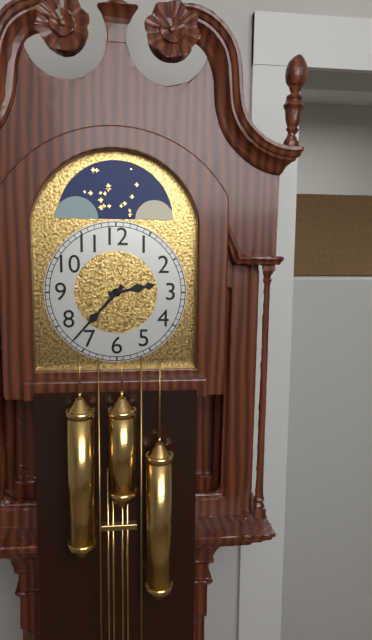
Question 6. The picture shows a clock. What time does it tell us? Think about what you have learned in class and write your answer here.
2:37
